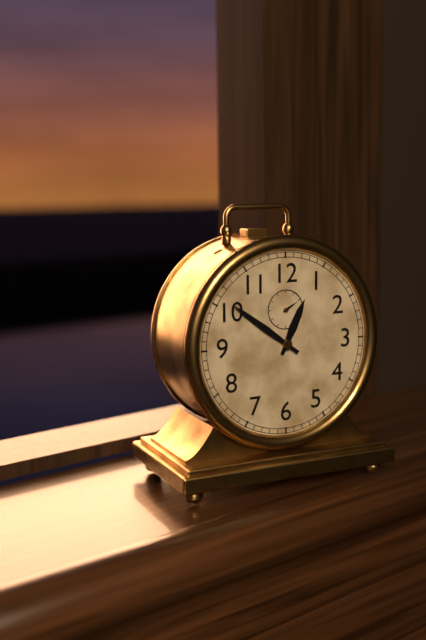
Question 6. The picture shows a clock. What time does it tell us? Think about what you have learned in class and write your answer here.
12:51
